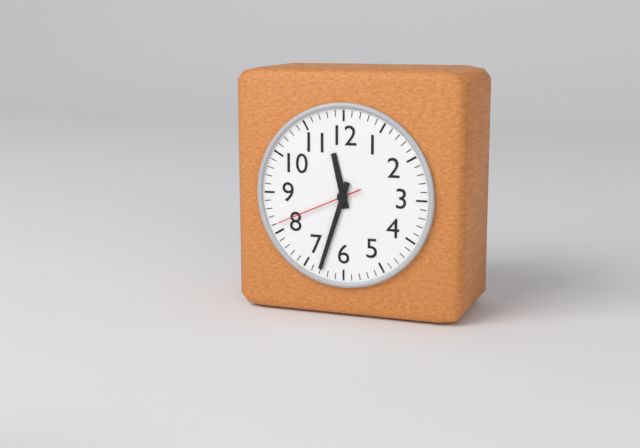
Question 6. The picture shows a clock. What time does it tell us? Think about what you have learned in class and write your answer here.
11:33:41
